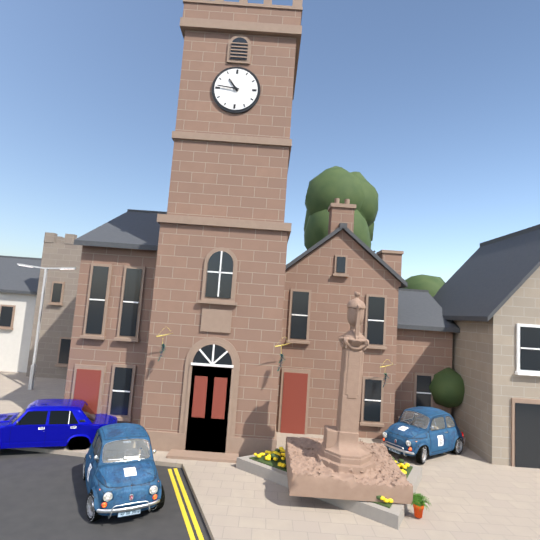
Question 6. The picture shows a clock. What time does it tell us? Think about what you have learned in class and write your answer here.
10:46
